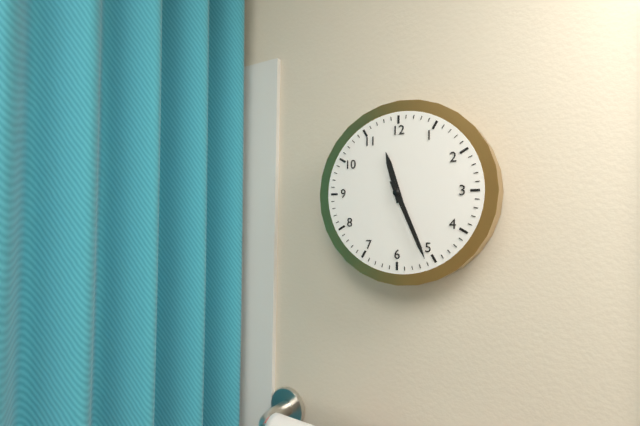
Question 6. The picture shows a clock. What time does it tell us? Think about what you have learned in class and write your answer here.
11:26
